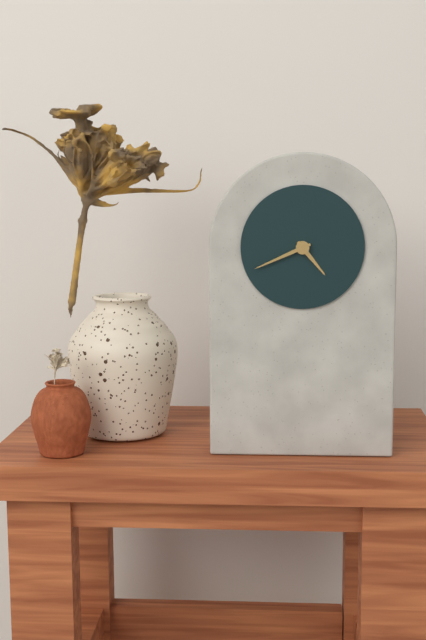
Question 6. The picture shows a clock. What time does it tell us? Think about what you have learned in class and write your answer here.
4:41
